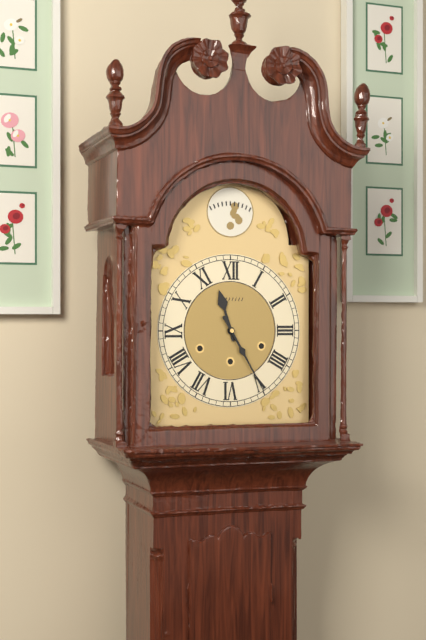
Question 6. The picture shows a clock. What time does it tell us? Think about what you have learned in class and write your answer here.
11:25
